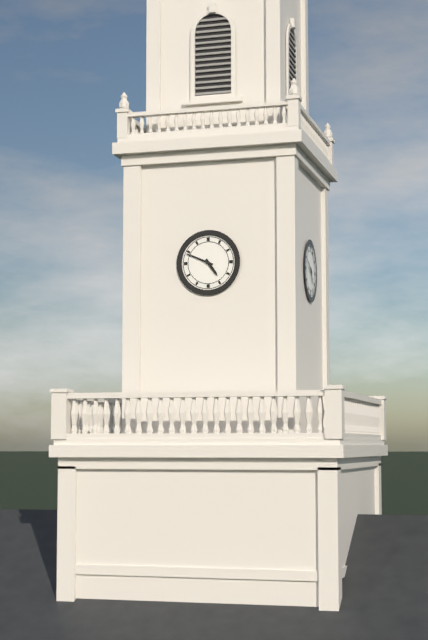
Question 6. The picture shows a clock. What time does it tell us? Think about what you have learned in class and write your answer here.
4:49
